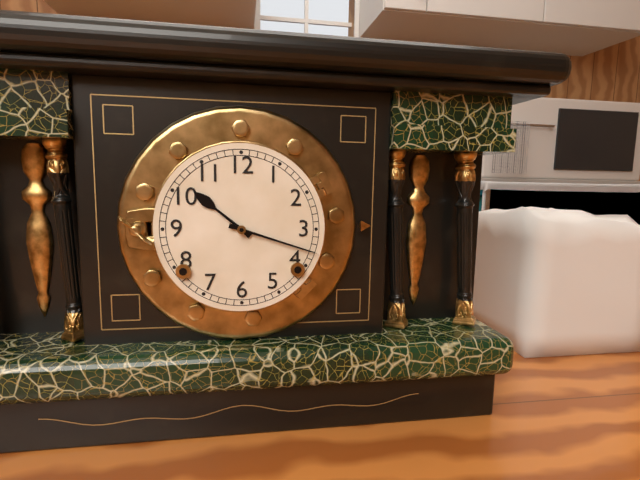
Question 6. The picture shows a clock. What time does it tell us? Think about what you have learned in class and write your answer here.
10:18
